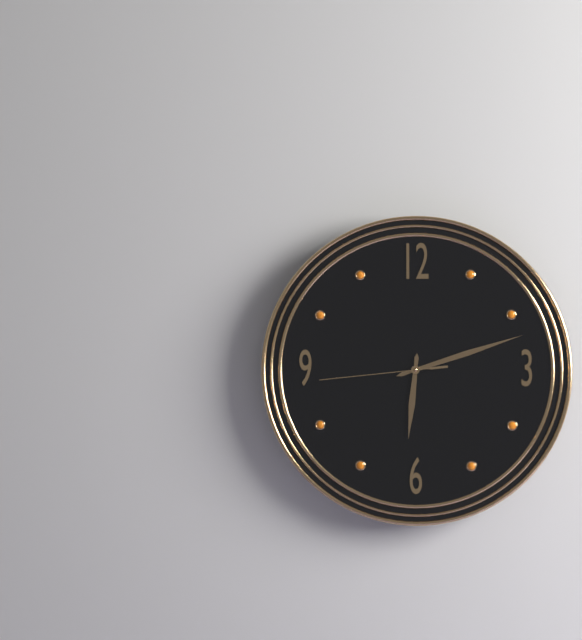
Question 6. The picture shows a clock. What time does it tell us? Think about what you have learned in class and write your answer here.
6:12:44
